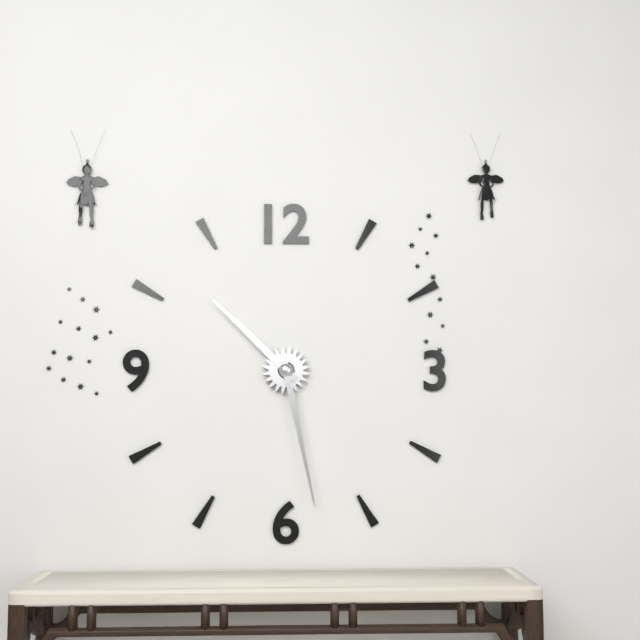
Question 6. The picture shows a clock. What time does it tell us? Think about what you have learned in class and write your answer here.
10:28
